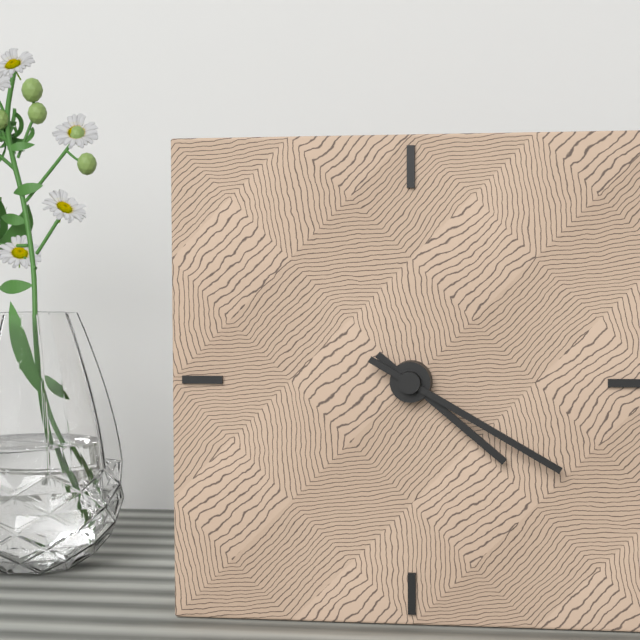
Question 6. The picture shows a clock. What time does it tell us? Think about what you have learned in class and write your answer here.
4:20
